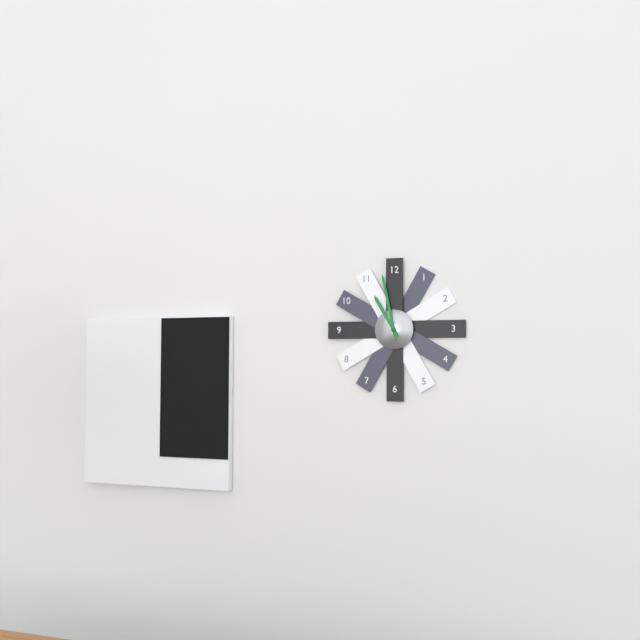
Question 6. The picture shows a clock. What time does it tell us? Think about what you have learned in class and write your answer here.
10:58
